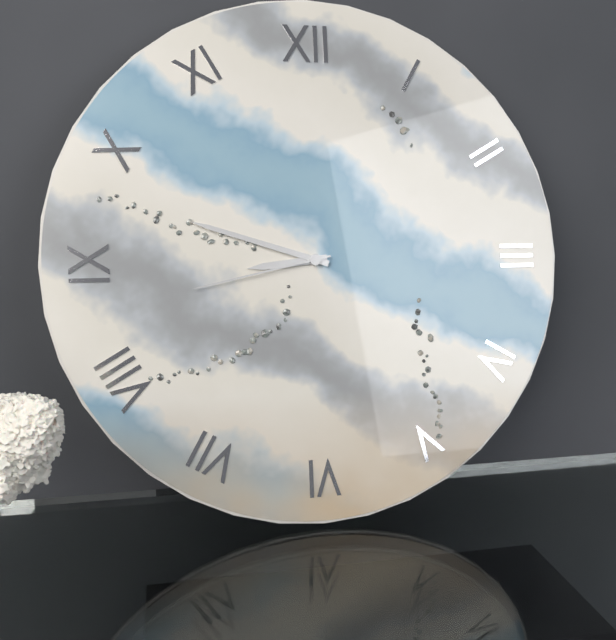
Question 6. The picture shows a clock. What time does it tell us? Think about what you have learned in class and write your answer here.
8:48:43
